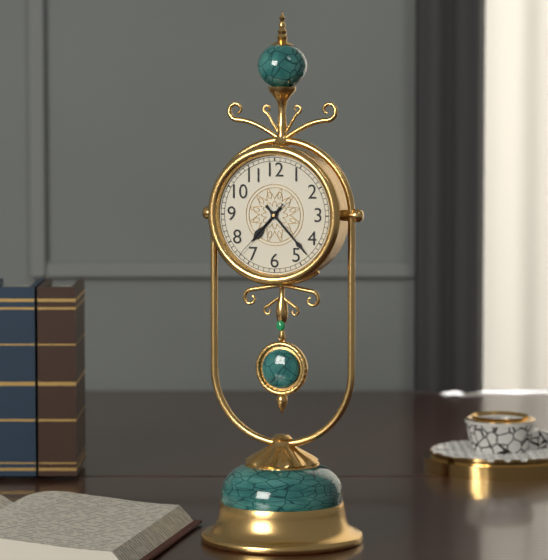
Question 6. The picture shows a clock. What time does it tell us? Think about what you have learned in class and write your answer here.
7:23:37
